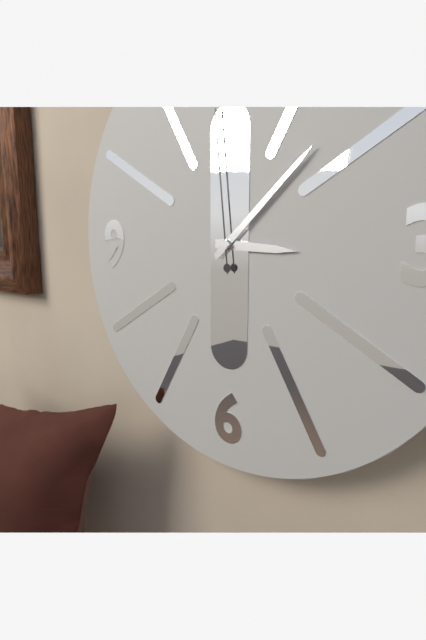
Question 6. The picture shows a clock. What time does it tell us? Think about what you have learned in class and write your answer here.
3:08:59
